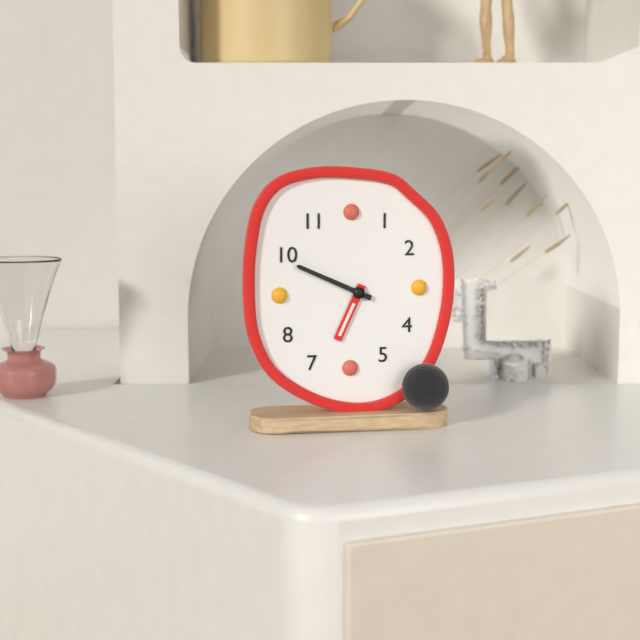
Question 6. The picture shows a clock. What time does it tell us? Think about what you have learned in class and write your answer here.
6:49
